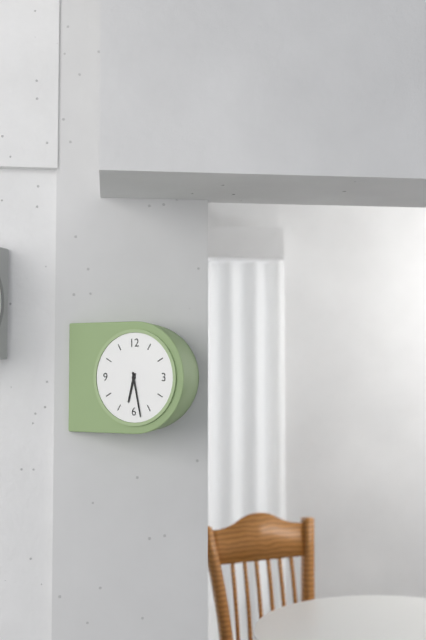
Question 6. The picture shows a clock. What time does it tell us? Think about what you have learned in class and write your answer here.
6:28
